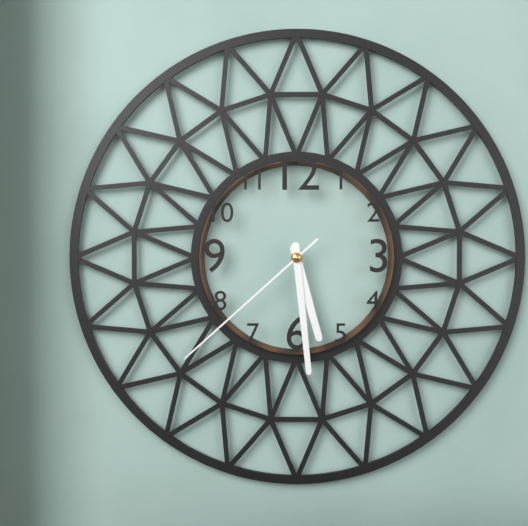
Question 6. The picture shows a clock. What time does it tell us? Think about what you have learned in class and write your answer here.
5:29:38
